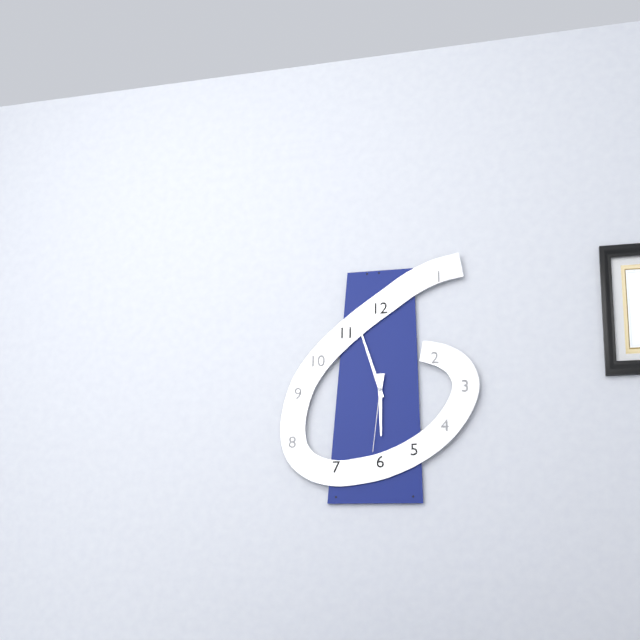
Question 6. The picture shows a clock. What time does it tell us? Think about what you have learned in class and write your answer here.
5:57:31
